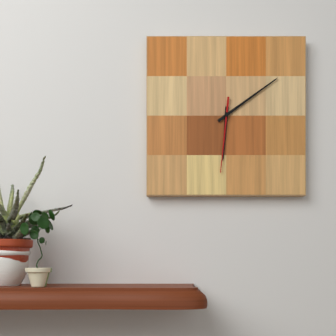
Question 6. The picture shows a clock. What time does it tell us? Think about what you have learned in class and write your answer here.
6:09:31
